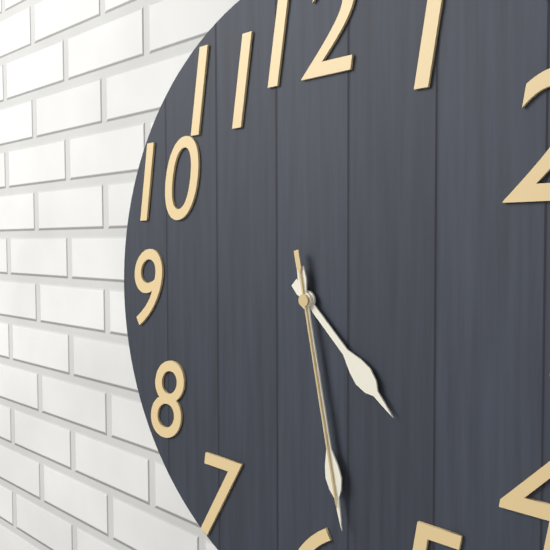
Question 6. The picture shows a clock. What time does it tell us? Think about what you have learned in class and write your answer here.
4:28:28
